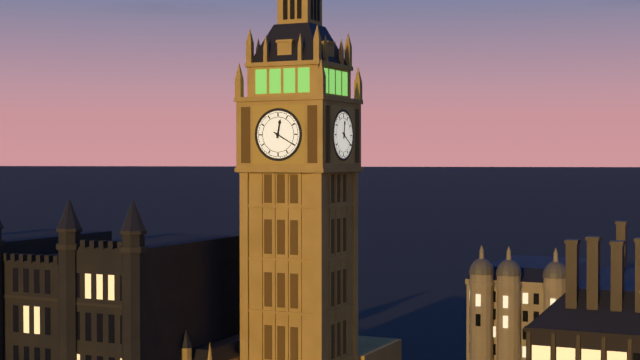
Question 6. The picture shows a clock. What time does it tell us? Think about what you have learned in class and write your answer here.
12:20
